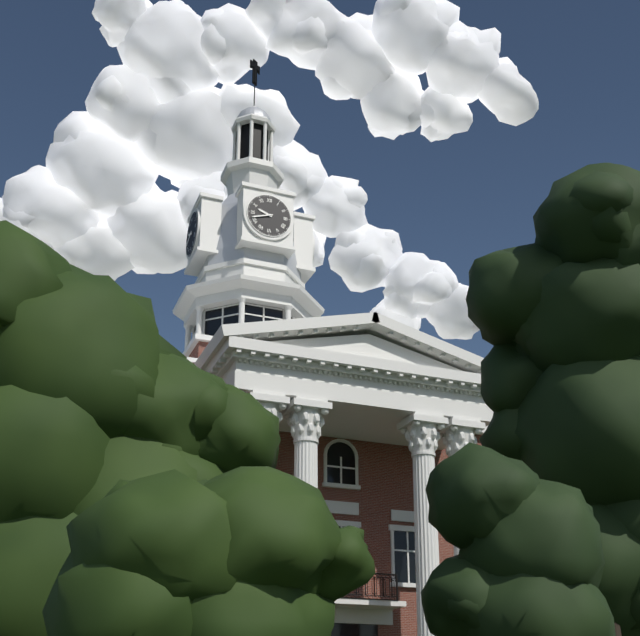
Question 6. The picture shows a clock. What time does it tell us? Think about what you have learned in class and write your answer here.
9:42
